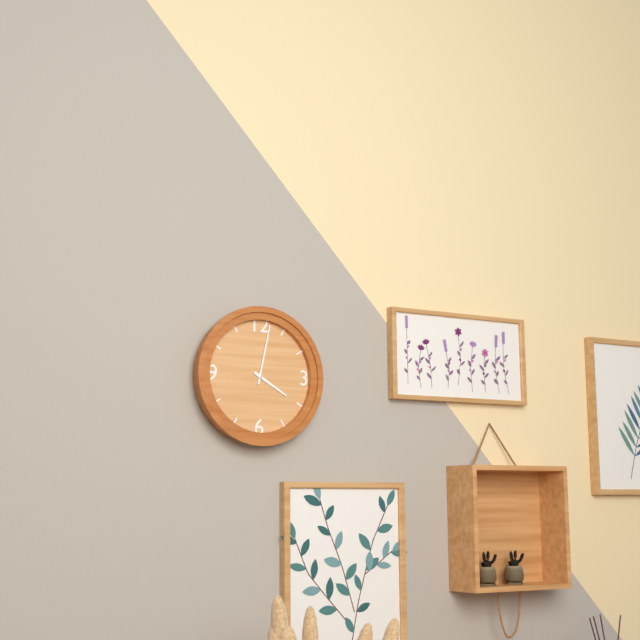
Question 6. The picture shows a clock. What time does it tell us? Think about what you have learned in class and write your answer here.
4:02
